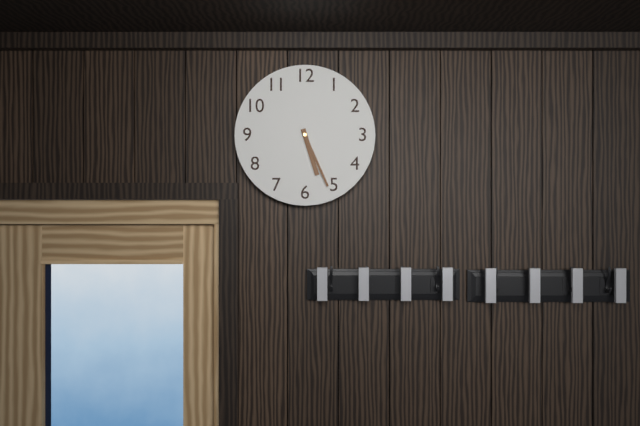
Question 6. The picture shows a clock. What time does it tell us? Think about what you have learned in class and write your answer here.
5:26
